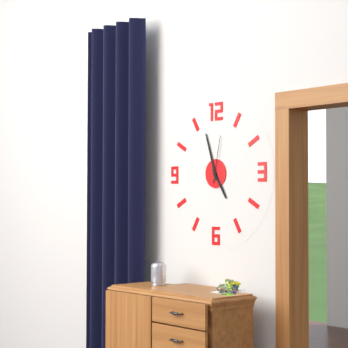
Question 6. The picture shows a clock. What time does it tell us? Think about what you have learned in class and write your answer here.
4:57
